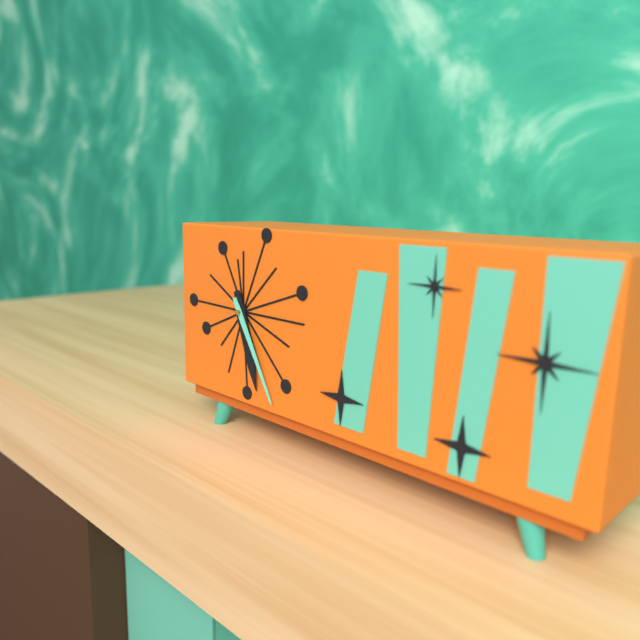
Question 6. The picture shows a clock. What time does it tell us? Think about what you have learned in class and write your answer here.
5:25
